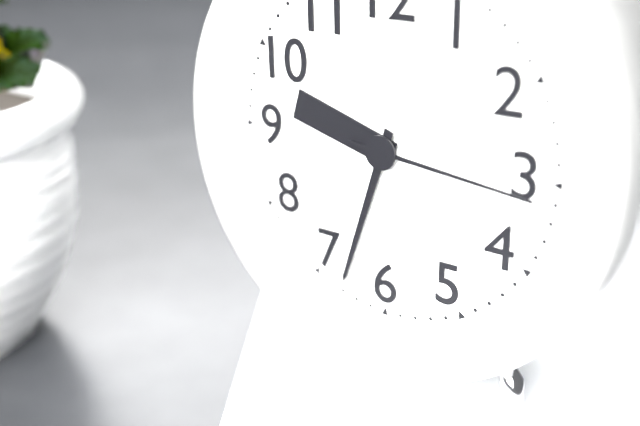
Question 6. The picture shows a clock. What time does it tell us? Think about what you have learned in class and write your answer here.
9:33:16
